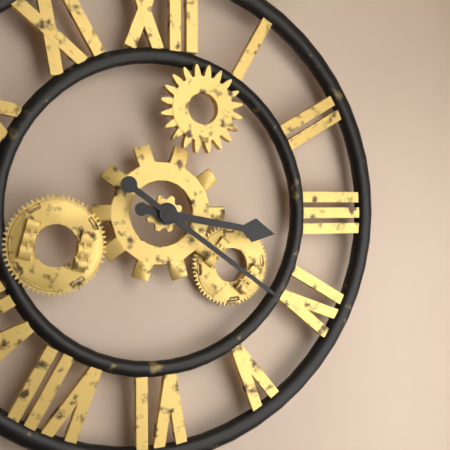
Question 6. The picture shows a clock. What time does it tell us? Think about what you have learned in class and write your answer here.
3:21
